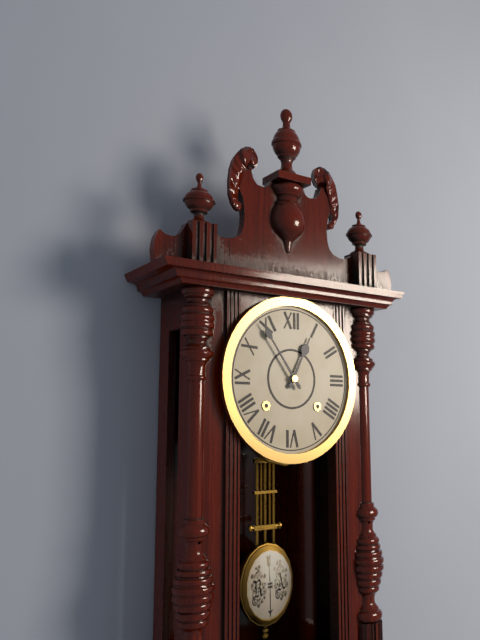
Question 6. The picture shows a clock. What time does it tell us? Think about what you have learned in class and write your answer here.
12:54
